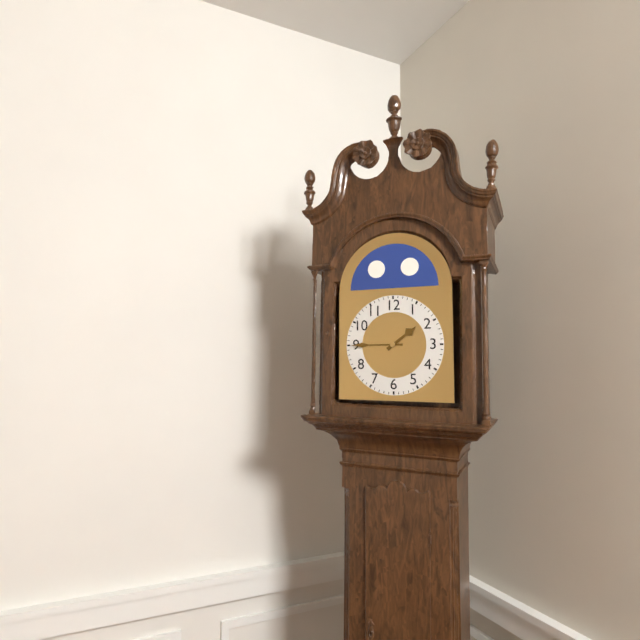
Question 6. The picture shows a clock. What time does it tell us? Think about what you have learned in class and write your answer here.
1:45
